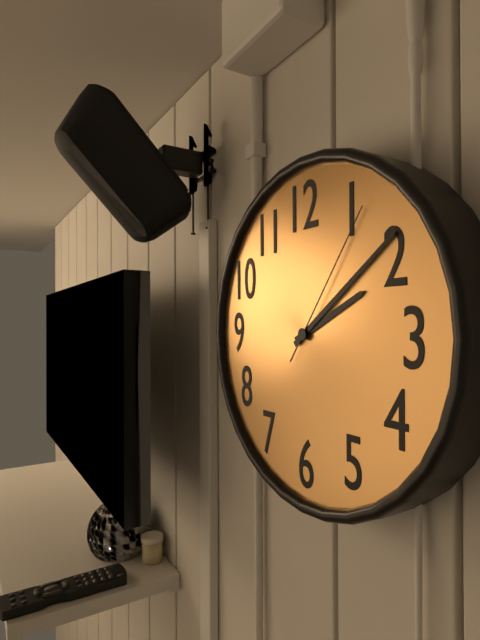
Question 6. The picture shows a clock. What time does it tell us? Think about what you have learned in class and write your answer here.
2:09:06
